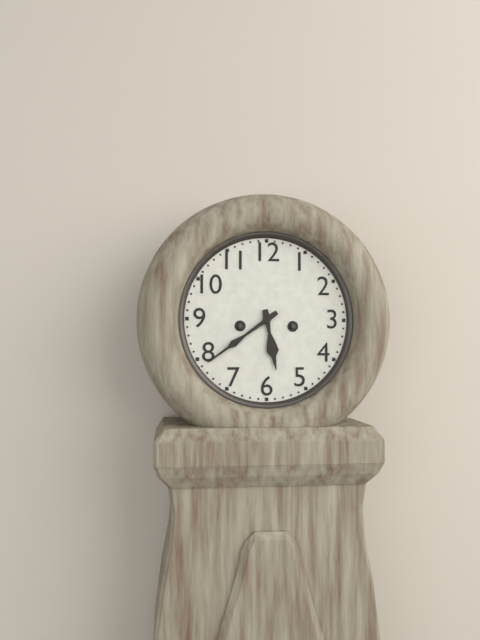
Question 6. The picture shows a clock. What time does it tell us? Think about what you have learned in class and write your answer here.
5:39
